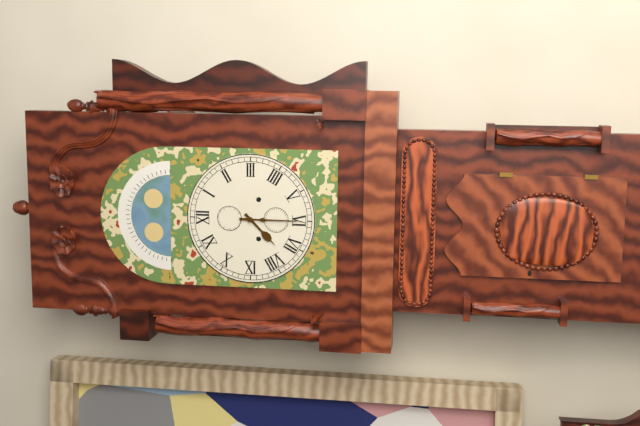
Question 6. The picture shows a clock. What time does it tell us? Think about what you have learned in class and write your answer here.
7:30
